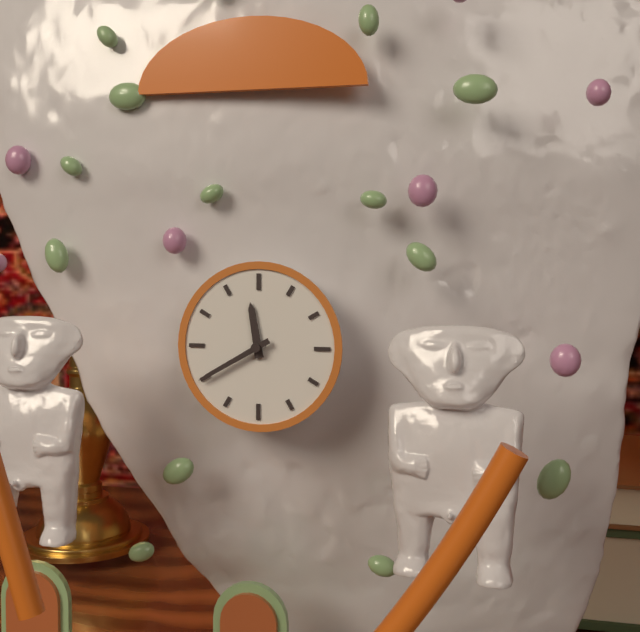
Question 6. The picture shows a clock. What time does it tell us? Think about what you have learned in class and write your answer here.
11:40
